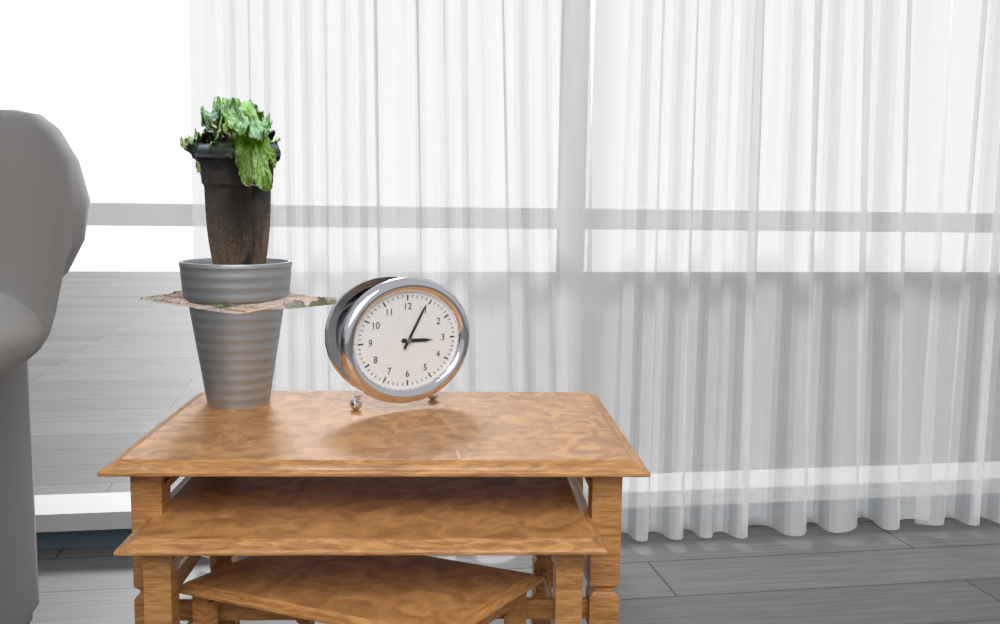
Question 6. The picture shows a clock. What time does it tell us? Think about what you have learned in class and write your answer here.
3:05
